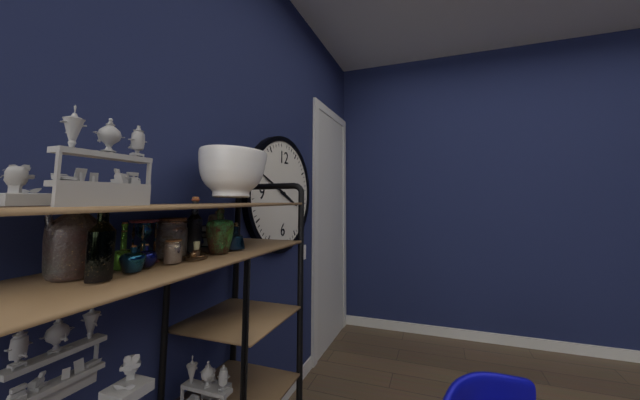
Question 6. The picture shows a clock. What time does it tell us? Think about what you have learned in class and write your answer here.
3:49
